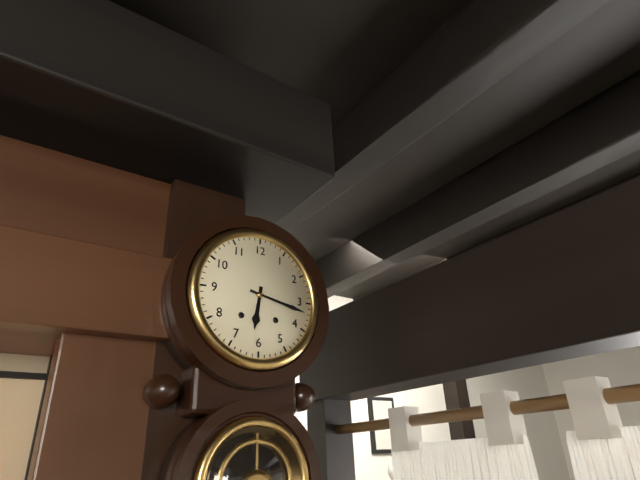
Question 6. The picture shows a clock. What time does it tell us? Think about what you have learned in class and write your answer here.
6:17
